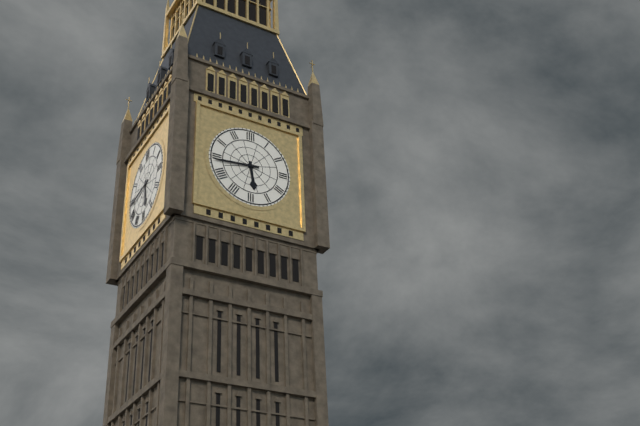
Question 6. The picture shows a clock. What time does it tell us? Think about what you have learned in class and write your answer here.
5:44
